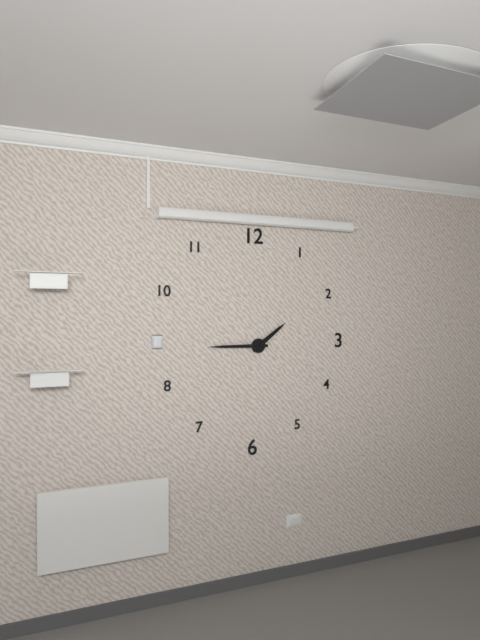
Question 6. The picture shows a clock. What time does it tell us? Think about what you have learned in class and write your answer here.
1:45
